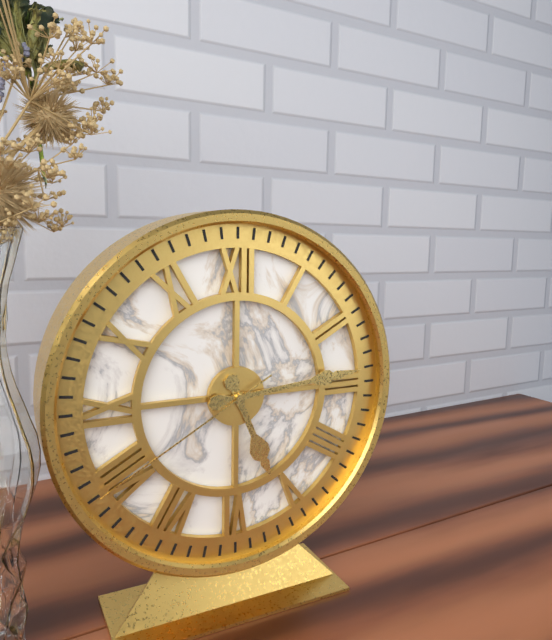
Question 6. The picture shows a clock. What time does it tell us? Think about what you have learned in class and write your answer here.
5:14:40
